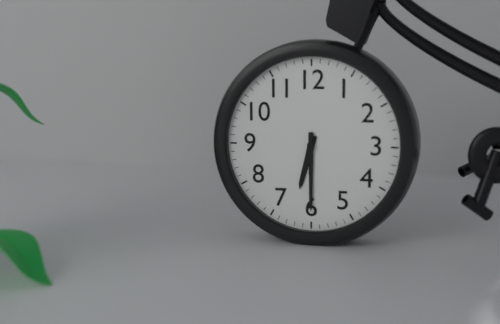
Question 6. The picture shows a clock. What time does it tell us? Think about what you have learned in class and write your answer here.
6:30
